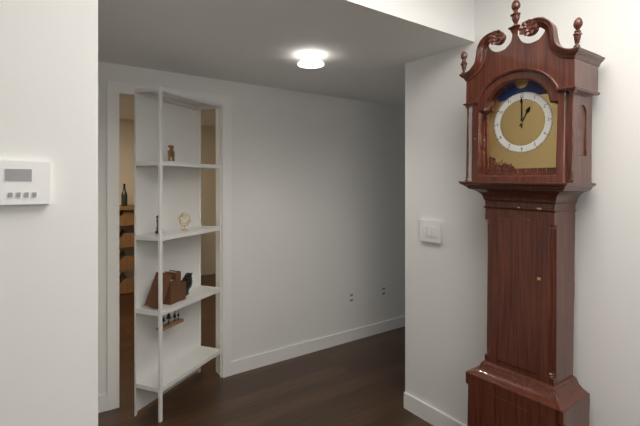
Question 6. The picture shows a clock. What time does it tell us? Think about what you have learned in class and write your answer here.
1:00
